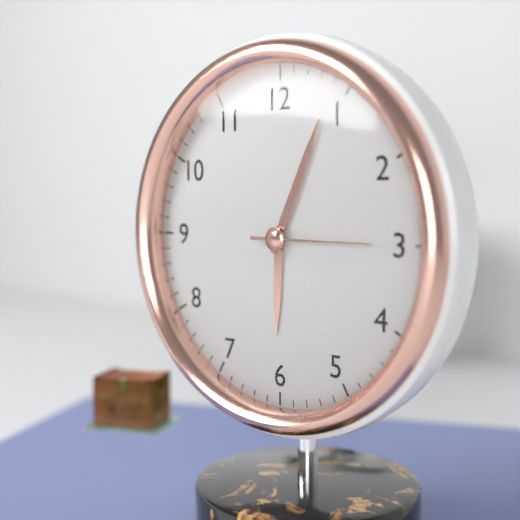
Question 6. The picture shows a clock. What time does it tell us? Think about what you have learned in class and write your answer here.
6:04:15
